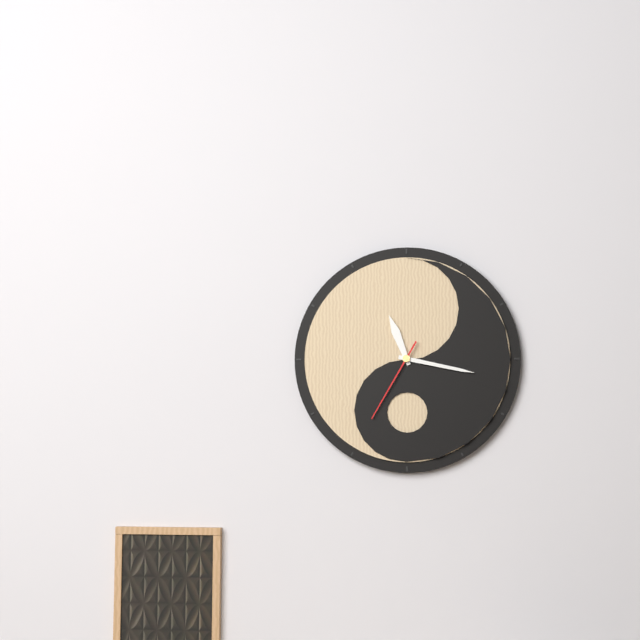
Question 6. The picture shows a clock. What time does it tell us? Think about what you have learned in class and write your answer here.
11:17:35
